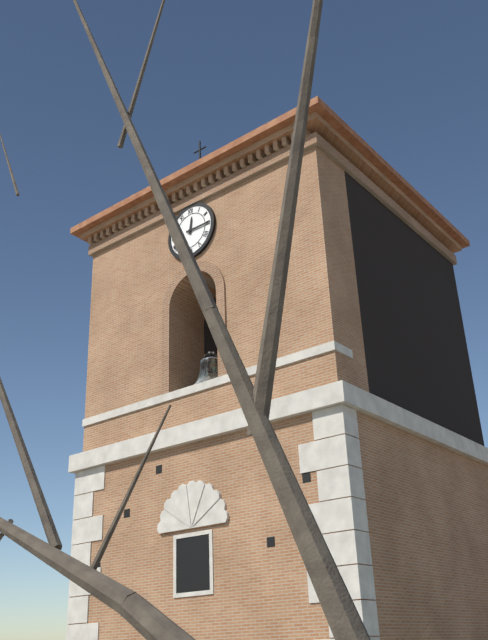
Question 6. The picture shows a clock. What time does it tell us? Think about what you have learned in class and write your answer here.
12:15
